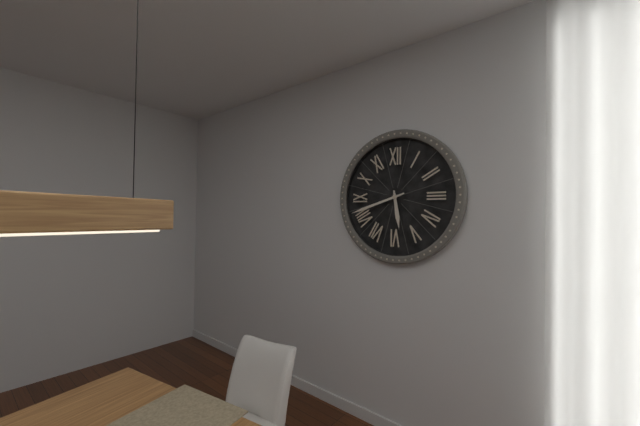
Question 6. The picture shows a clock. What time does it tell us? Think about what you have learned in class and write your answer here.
5:42
